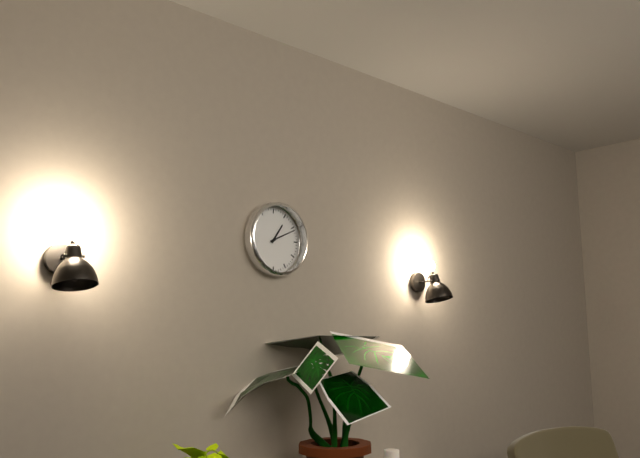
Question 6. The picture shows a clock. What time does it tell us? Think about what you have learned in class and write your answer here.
1:11
